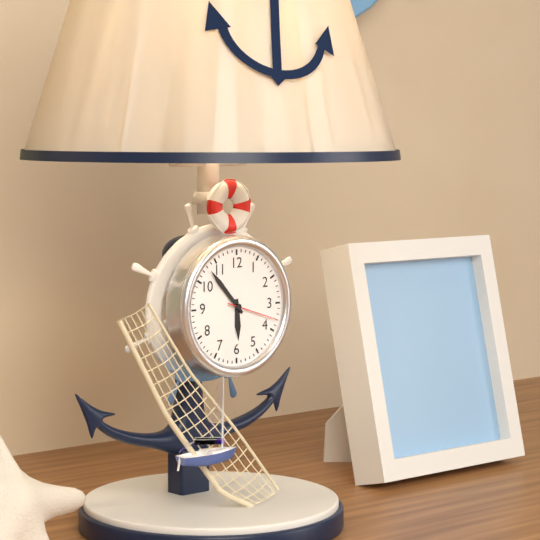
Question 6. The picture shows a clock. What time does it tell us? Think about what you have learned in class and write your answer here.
5:53:18
